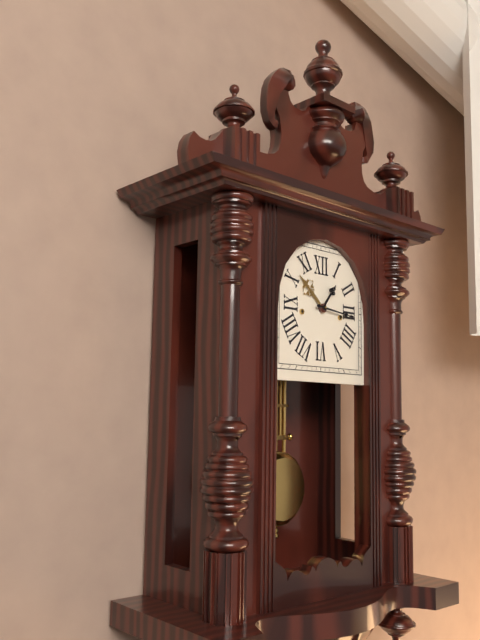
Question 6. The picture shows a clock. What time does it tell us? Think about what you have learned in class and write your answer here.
1:16
